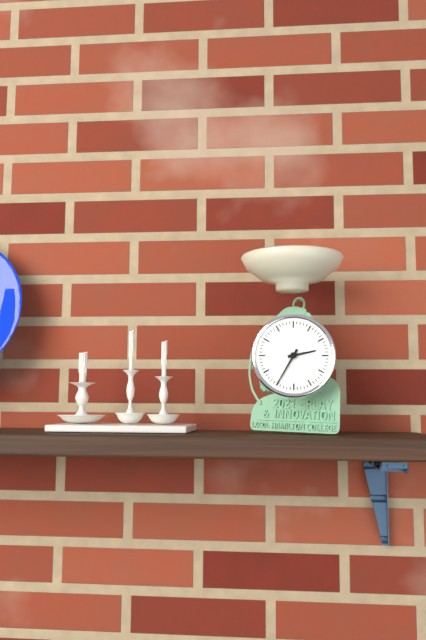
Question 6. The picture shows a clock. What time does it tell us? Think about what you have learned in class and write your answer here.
2:35
